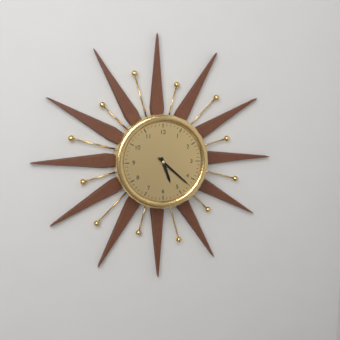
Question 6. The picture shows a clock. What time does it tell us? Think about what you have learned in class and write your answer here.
5:22
